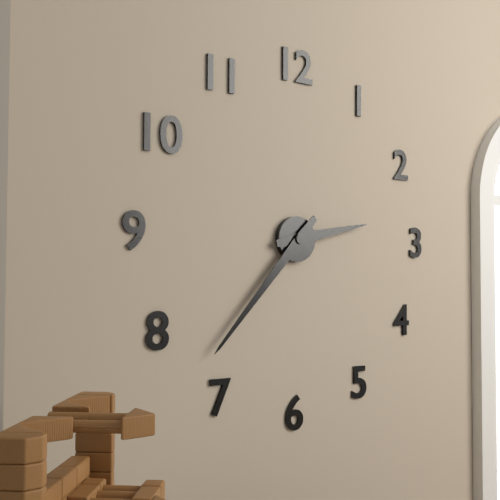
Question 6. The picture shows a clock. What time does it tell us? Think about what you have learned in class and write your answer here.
2:37
